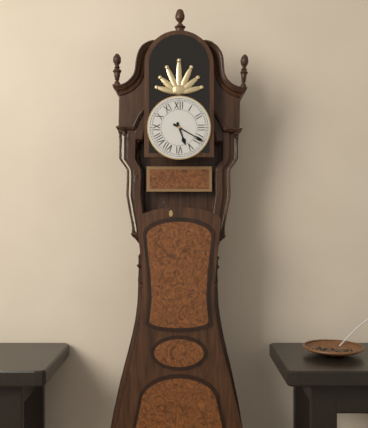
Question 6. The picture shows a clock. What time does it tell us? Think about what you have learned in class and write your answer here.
5:20
